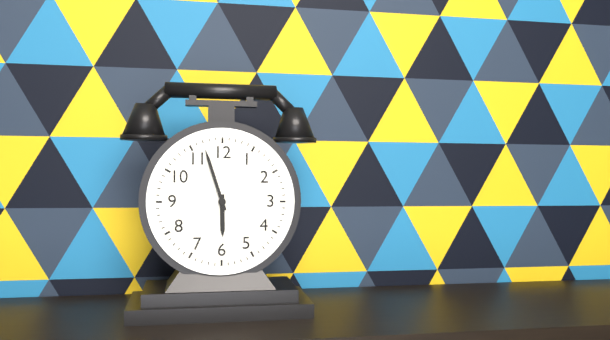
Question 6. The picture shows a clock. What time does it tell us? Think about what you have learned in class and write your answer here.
5:57
